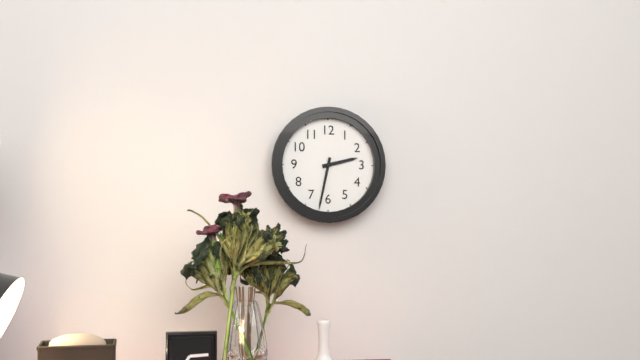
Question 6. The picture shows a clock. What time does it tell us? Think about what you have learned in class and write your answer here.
2:32
